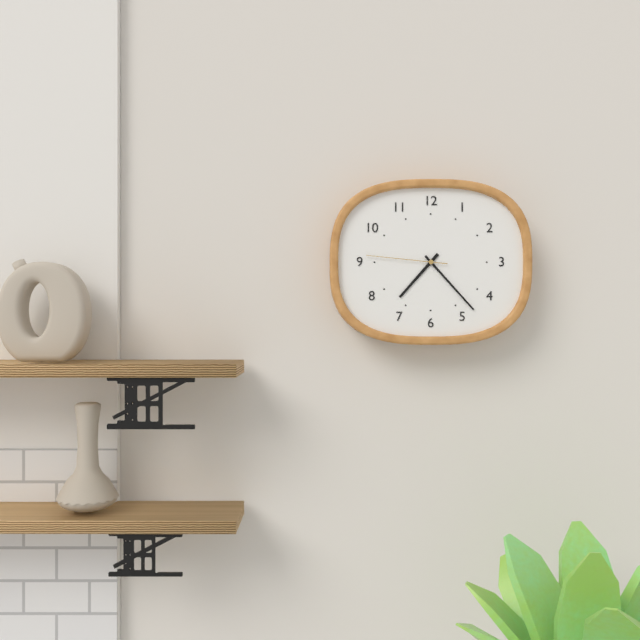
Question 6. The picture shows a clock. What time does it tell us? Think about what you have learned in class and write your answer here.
7:23:46
